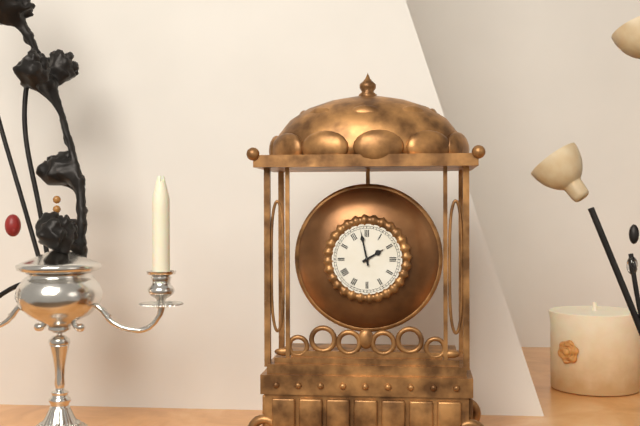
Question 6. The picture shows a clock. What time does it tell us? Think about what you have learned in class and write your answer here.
1:58
